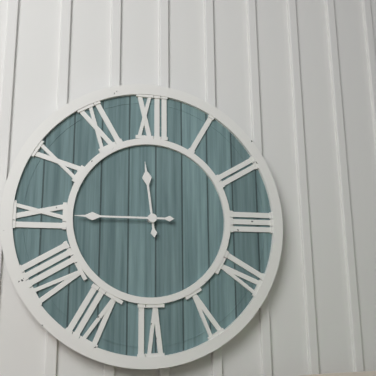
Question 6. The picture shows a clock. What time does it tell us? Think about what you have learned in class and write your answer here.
11:45
